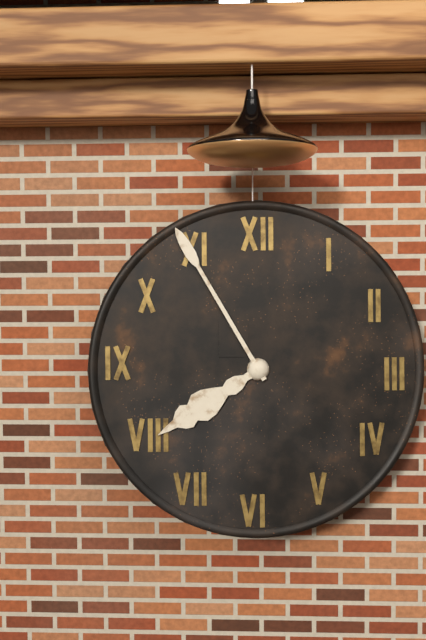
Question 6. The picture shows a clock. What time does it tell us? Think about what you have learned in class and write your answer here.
7:55
